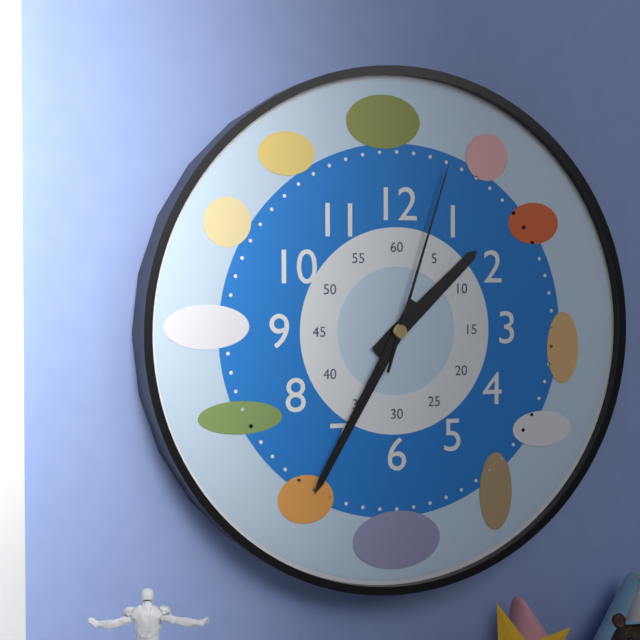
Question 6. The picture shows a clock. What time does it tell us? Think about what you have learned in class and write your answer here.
1:35:03
